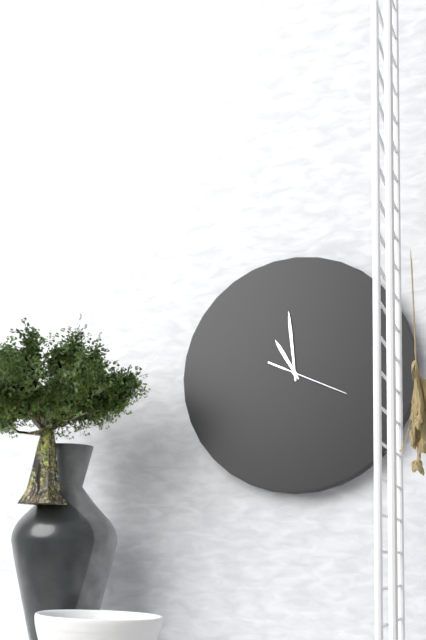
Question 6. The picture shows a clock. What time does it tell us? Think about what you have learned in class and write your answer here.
10:59:19
